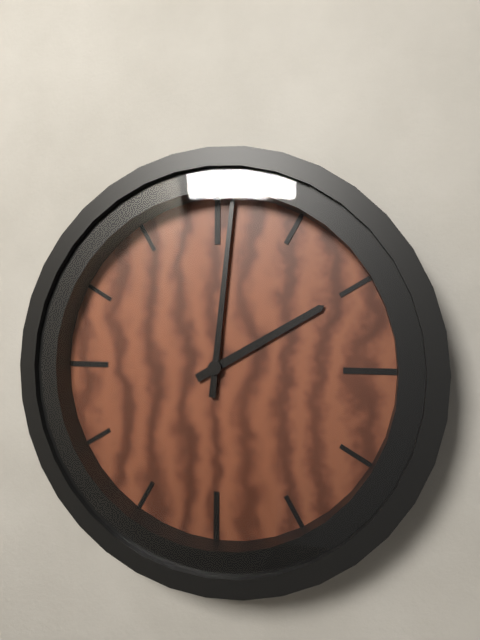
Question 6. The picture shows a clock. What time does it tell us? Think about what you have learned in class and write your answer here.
2:01
